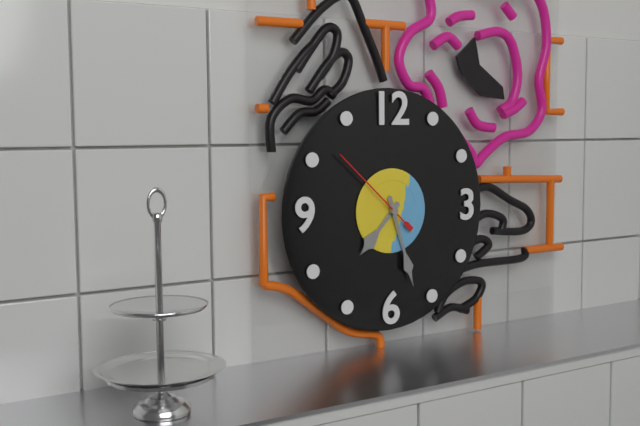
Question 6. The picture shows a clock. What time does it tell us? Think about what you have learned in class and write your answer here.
7:27:52
